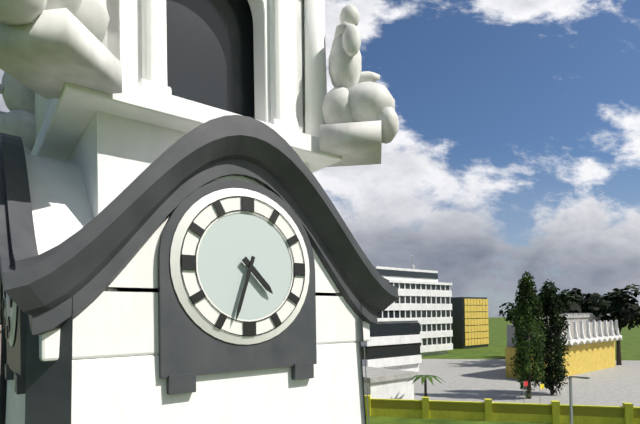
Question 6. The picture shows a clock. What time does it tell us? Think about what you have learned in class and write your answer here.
4:33
